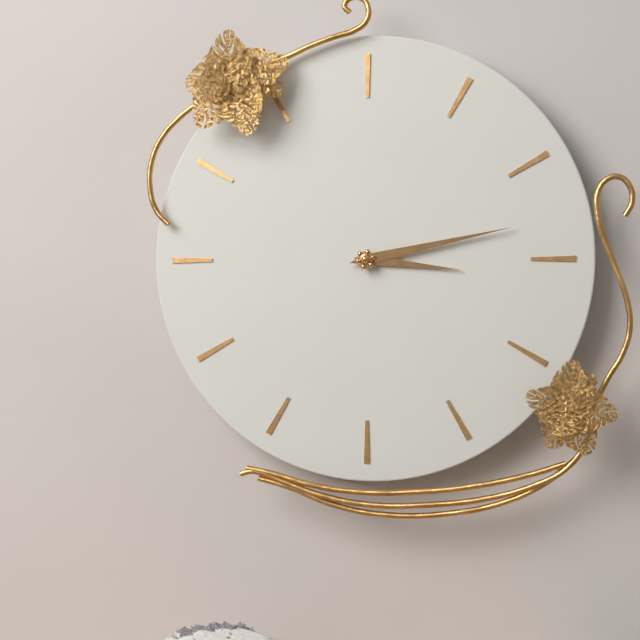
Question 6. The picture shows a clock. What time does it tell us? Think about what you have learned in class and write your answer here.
3:13
